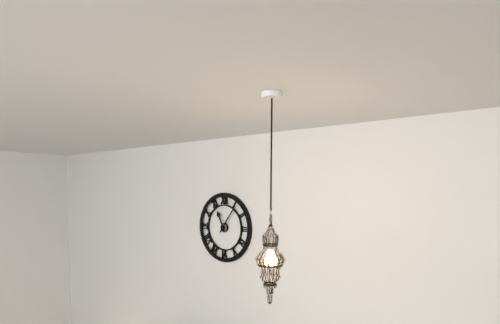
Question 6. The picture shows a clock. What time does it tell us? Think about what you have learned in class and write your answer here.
11:06
